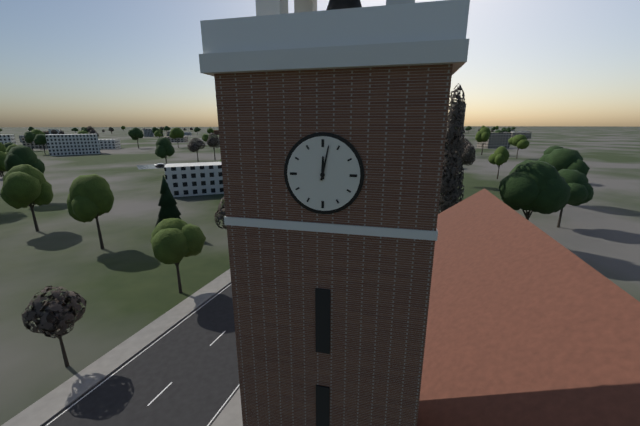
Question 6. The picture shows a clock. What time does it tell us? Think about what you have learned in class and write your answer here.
12:02
